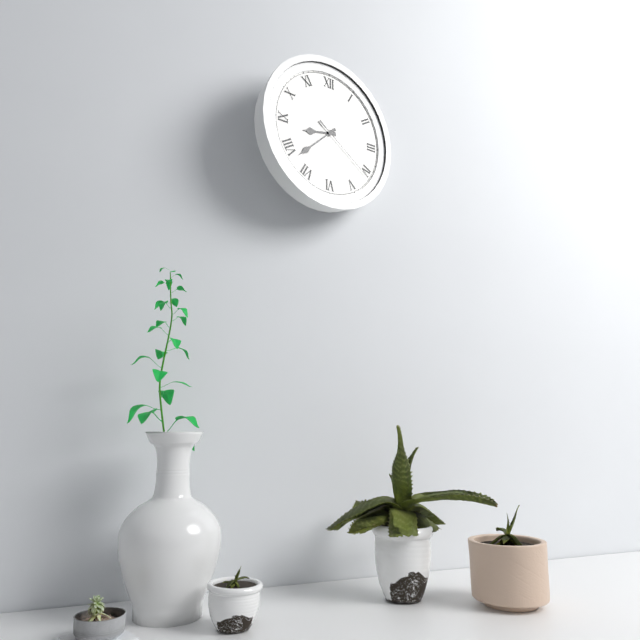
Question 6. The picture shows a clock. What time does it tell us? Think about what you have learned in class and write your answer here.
8:38:21
